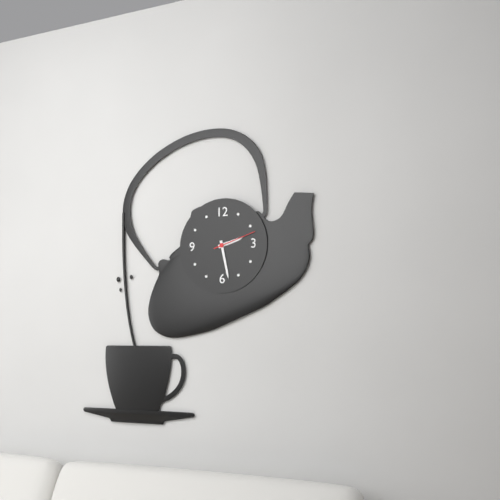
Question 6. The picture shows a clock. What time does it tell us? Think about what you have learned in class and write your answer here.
2:28
